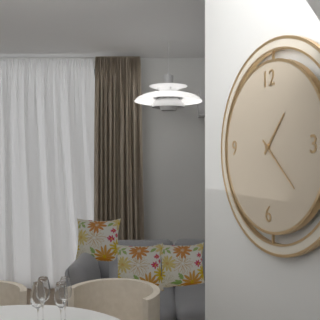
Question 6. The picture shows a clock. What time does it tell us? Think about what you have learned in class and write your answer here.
1:22
